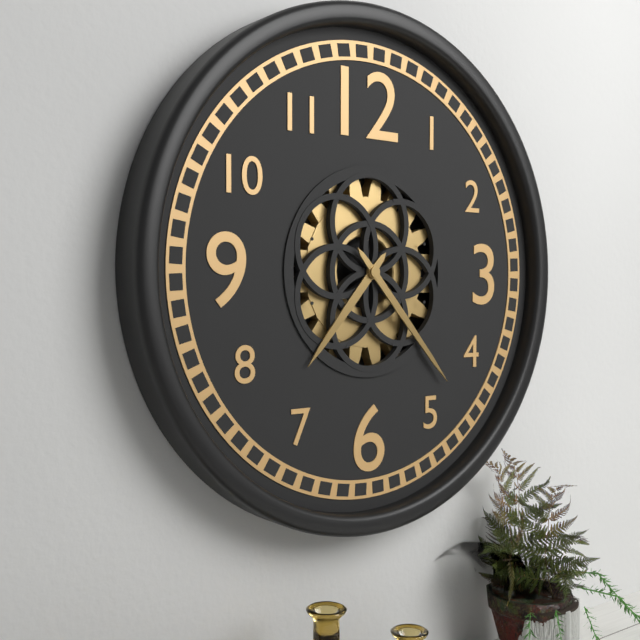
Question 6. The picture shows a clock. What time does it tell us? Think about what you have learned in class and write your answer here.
7:23
